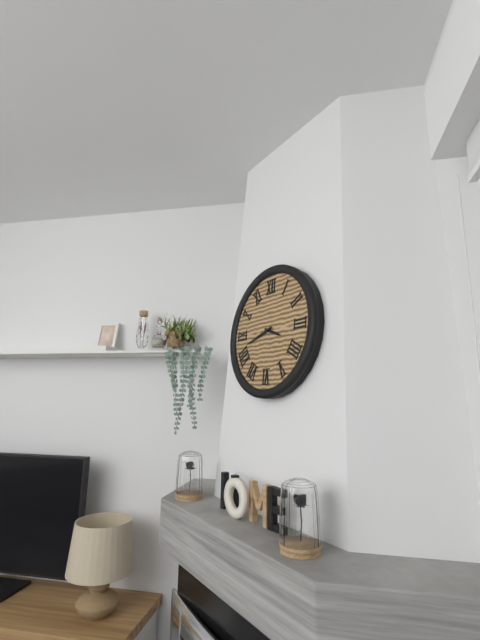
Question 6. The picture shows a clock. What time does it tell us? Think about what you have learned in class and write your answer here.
3:42
